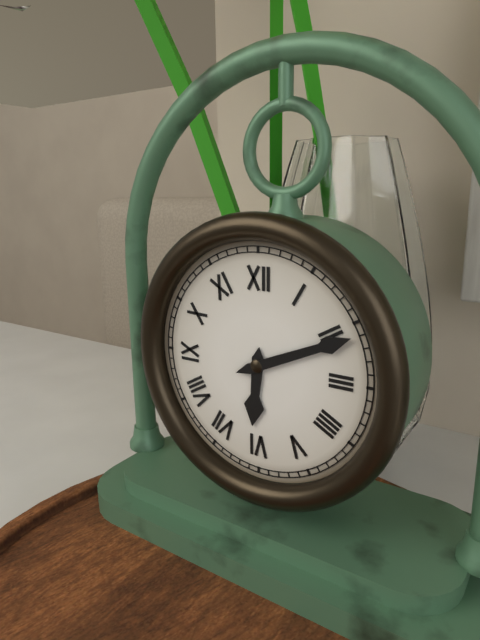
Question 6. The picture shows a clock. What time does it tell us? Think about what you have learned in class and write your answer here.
6:11
